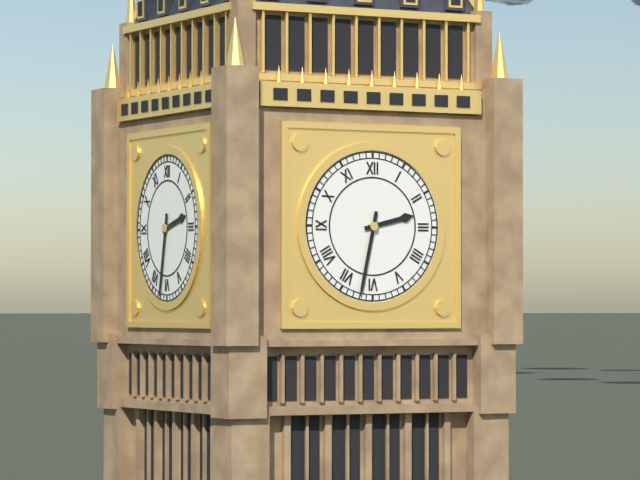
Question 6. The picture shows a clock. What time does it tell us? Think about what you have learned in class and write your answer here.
2:32
